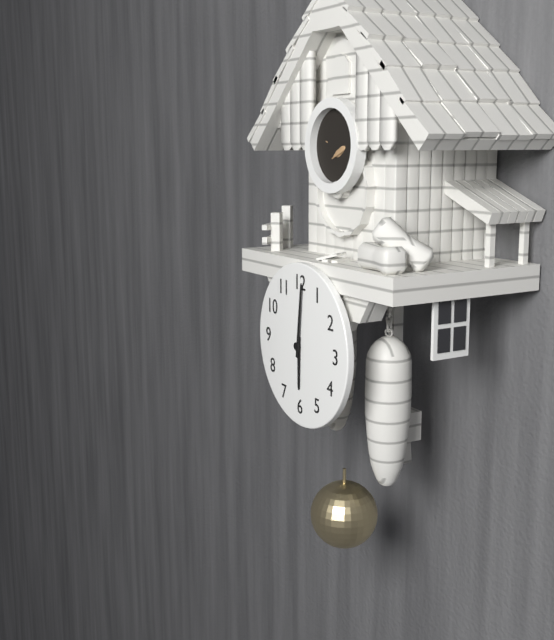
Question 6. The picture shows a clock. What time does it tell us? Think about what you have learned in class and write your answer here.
6:01
